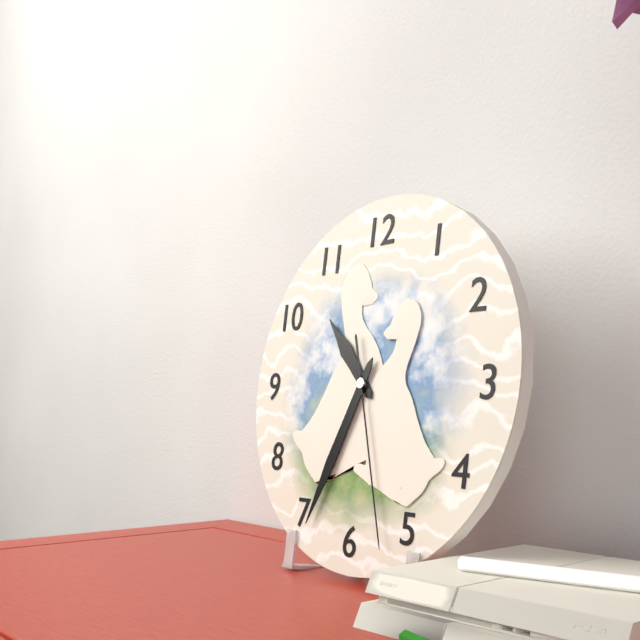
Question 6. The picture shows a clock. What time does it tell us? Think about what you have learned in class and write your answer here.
10:34:27
